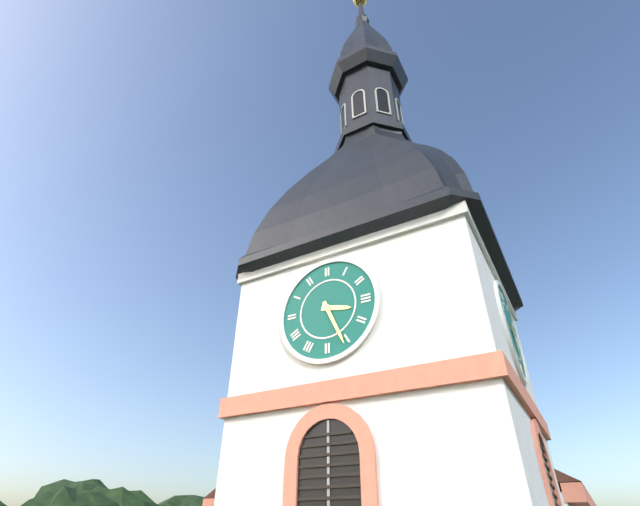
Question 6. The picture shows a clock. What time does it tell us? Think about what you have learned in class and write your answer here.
3:26
